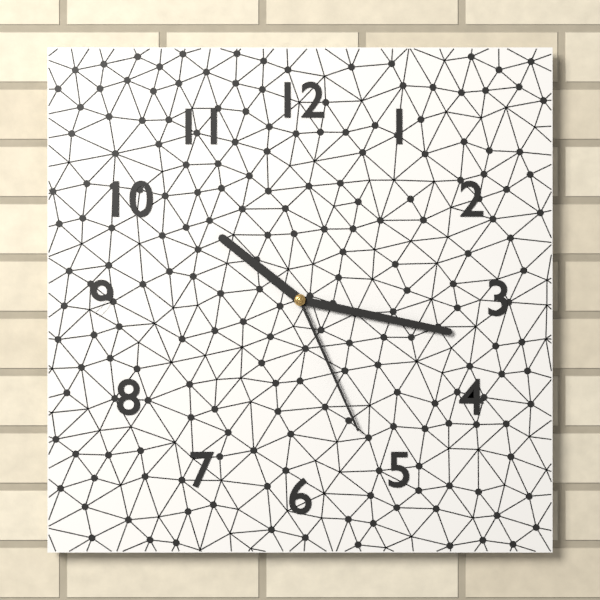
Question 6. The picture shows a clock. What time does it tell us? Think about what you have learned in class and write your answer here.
10:17:26
